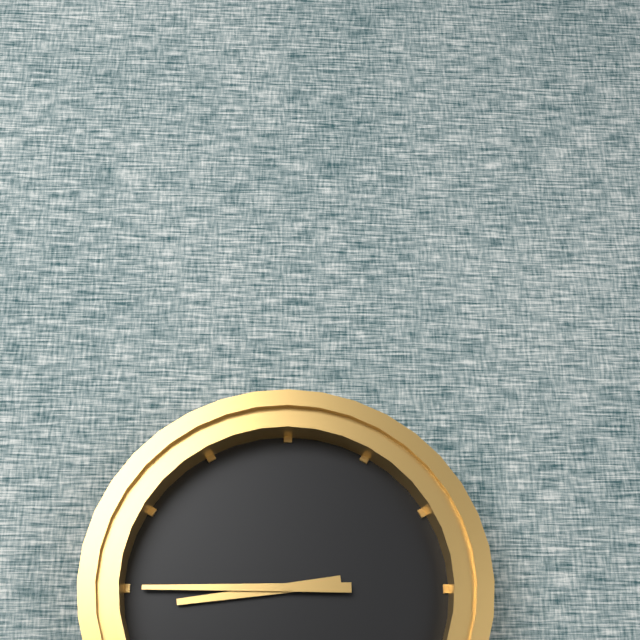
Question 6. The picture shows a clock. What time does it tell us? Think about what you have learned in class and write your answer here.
8:45
